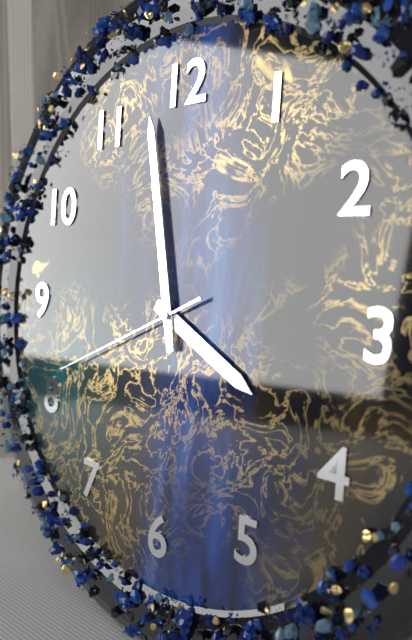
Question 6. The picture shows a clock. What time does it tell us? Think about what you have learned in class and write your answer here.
3:58:41
